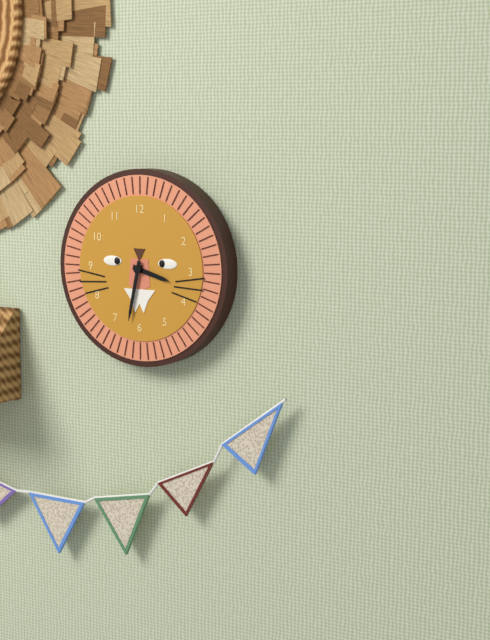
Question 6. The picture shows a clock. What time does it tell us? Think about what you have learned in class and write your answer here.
3:32
